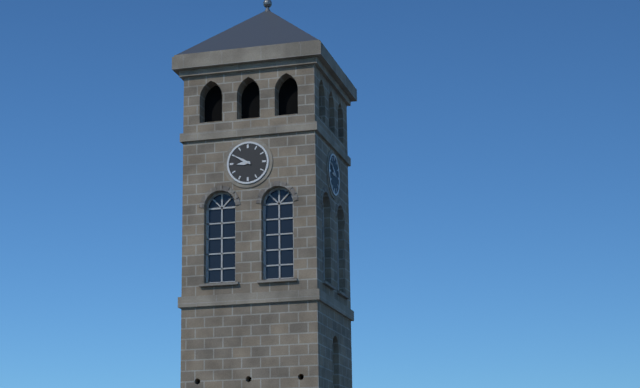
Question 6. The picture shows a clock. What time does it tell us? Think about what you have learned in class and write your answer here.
8:50
